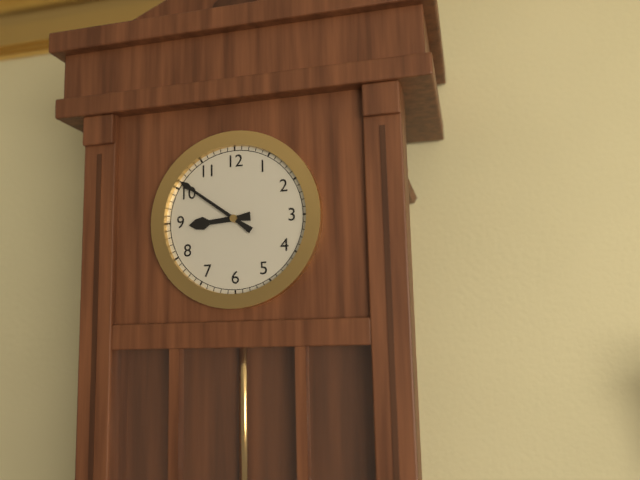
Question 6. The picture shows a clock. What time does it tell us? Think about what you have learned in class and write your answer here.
8:51
